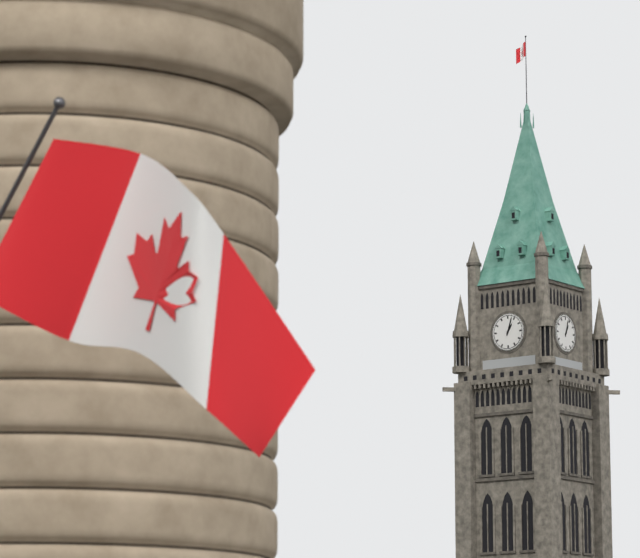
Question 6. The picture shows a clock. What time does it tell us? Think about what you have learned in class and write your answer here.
1:03
